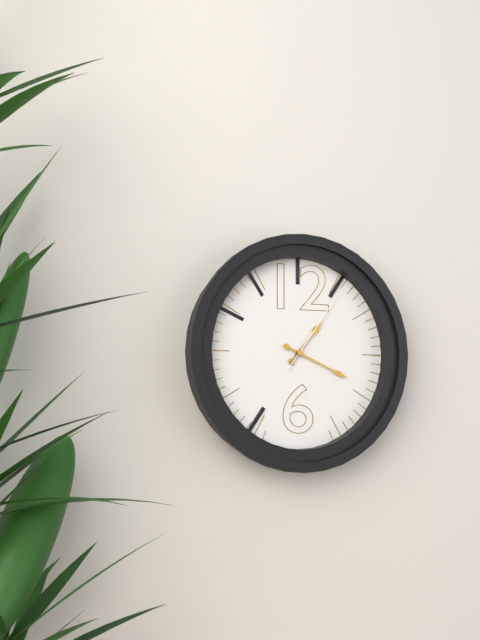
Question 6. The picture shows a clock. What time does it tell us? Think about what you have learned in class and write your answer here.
1:19:06
